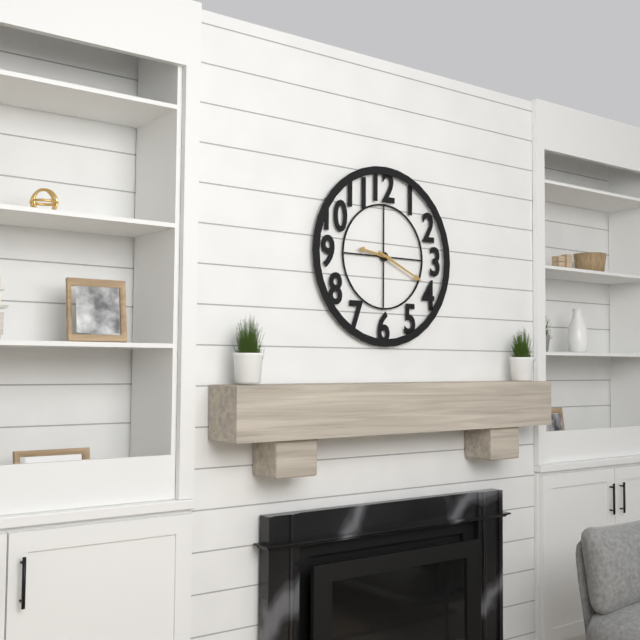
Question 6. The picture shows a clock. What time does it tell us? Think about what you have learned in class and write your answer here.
9:19
